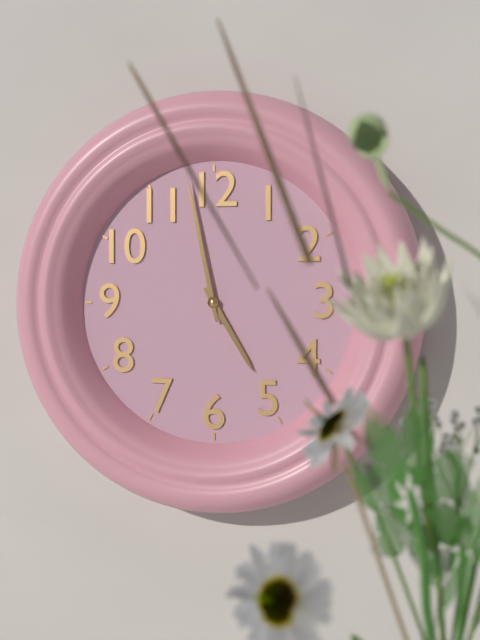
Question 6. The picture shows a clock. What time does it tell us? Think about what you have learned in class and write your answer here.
4:58
